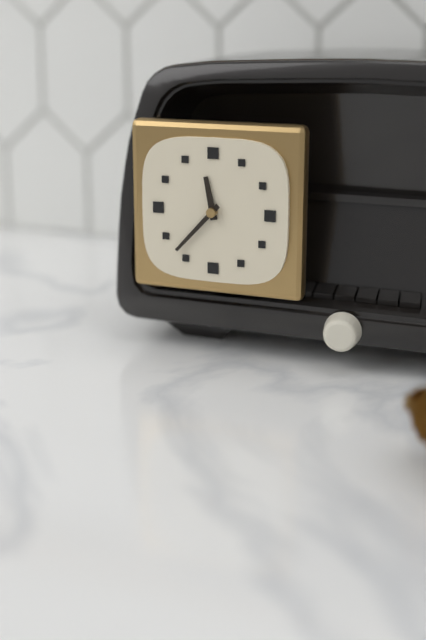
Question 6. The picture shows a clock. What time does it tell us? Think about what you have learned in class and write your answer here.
11:37
